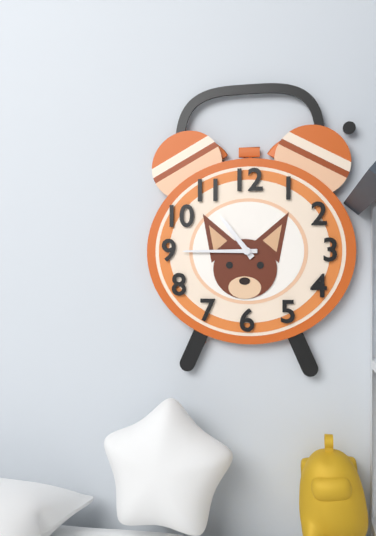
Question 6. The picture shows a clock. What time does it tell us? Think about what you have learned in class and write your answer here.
10:45
